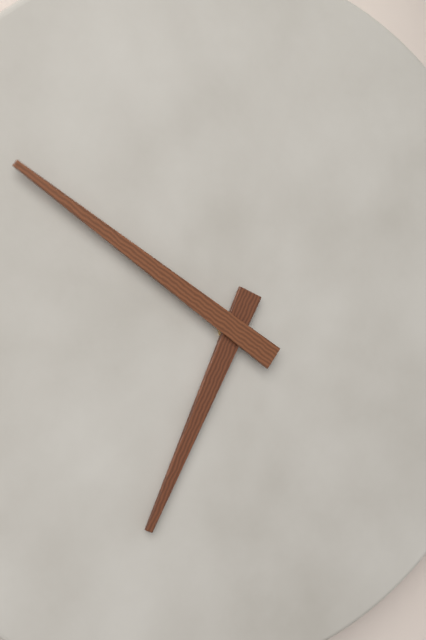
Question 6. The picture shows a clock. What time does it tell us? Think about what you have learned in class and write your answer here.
6:51
